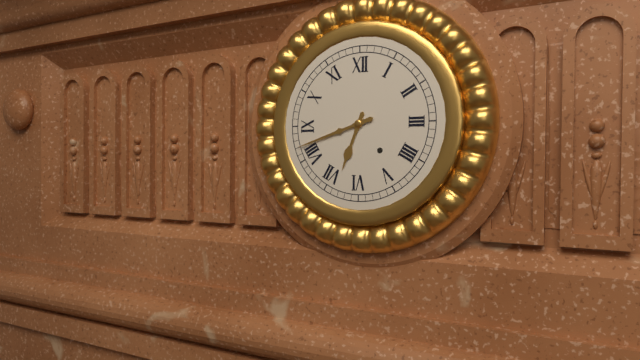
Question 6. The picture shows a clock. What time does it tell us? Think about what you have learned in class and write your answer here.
6:42
